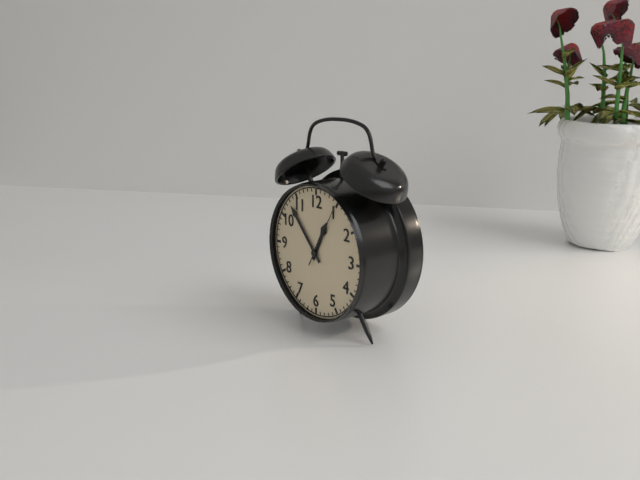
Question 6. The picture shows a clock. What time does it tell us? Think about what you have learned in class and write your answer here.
12:53:05
